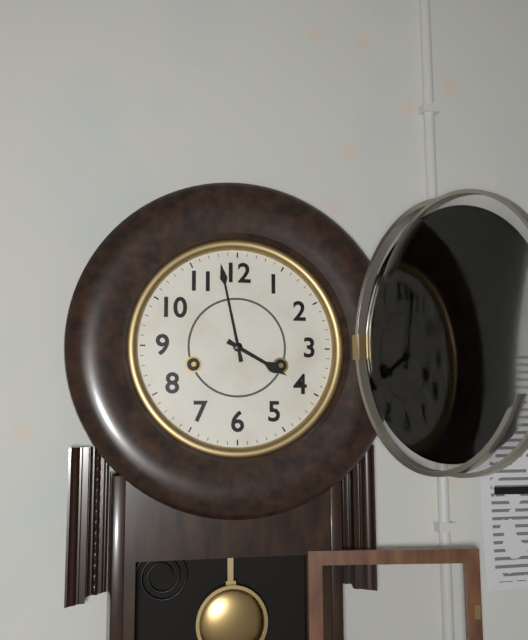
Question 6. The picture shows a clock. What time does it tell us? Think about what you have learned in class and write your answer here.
3:58
